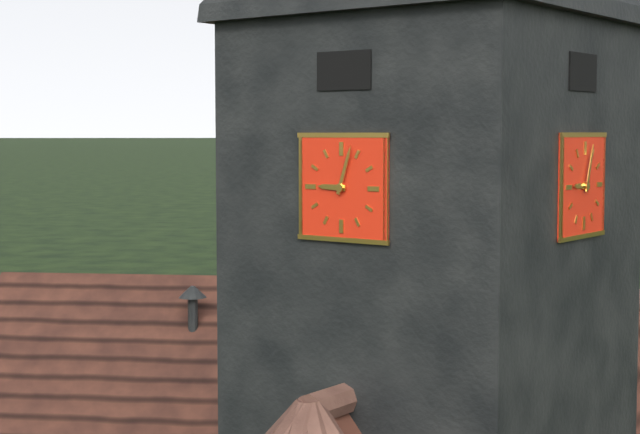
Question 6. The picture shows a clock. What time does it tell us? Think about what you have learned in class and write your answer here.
9:03
